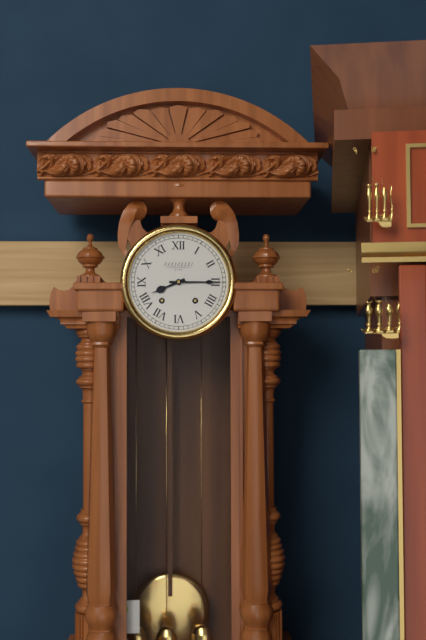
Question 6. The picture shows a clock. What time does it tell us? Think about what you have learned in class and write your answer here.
8:15
